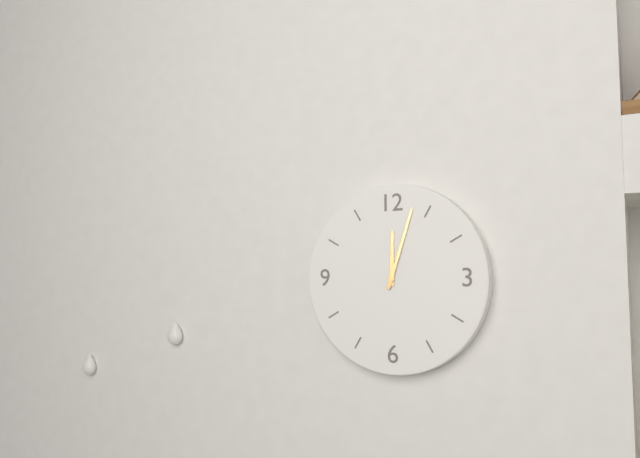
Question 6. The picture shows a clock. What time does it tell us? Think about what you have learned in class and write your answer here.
12:03
